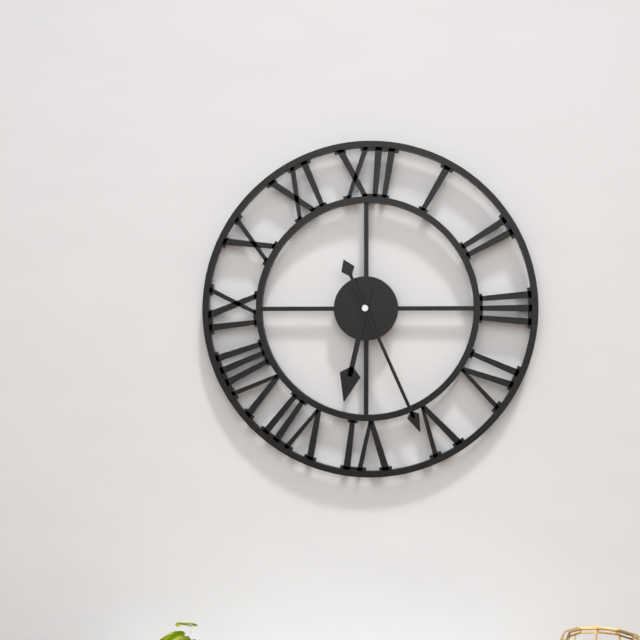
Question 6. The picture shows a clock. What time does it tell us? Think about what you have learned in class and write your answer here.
6:26
